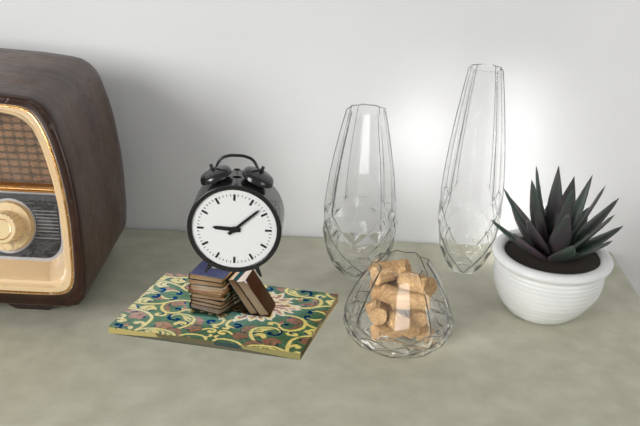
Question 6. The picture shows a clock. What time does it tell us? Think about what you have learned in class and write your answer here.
9:08
